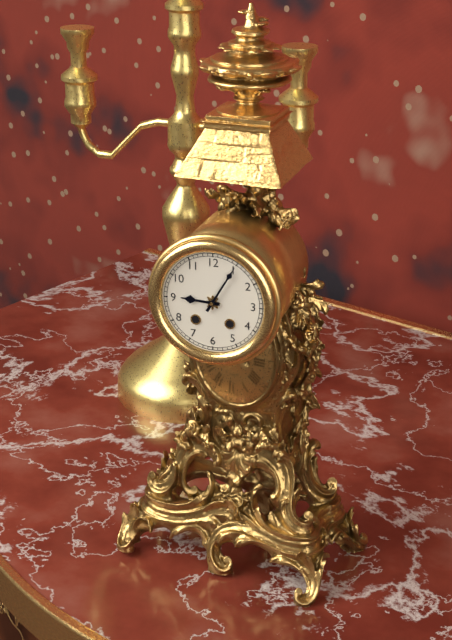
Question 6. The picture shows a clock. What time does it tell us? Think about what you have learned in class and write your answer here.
9:05
